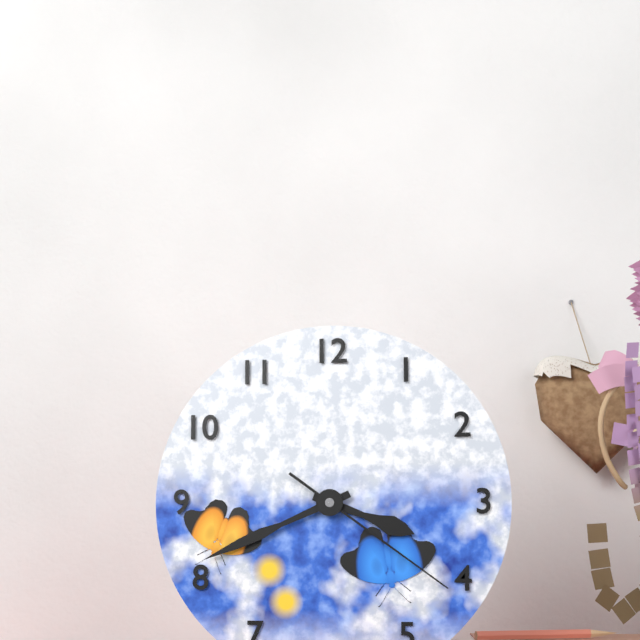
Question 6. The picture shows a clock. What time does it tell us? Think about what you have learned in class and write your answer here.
3:41:21
